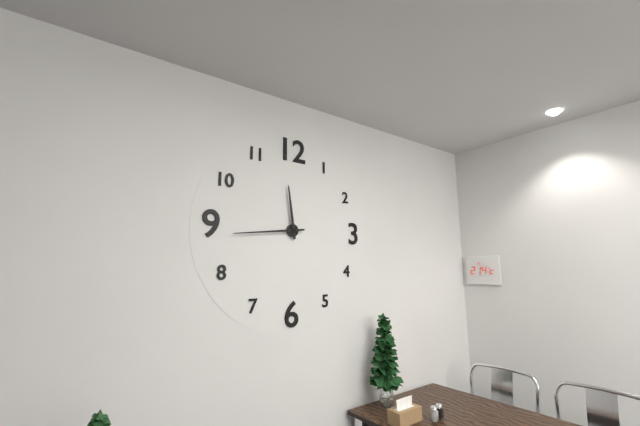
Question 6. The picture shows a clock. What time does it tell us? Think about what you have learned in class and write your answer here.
11:44
